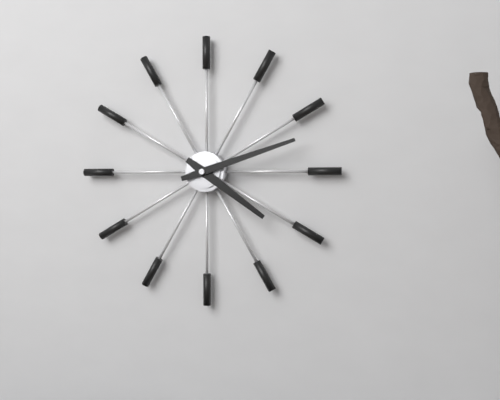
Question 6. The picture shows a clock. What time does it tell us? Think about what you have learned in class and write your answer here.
4:12
